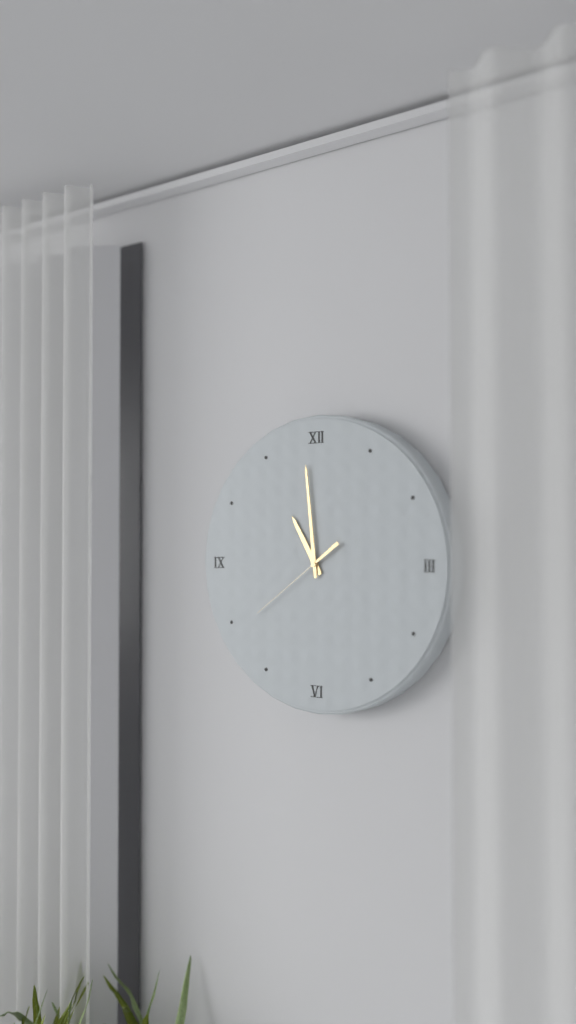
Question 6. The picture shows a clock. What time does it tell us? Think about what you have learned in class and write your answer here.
10:59:39
